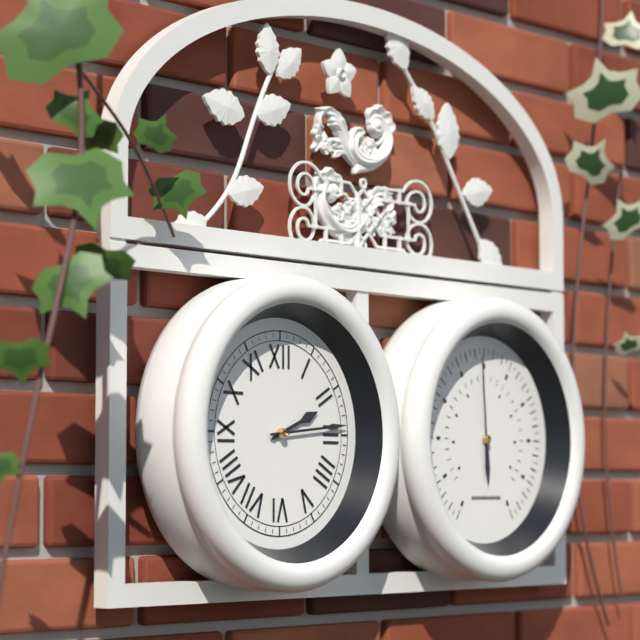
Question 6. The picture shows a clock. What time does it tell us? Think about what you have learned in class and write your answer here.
2:14
